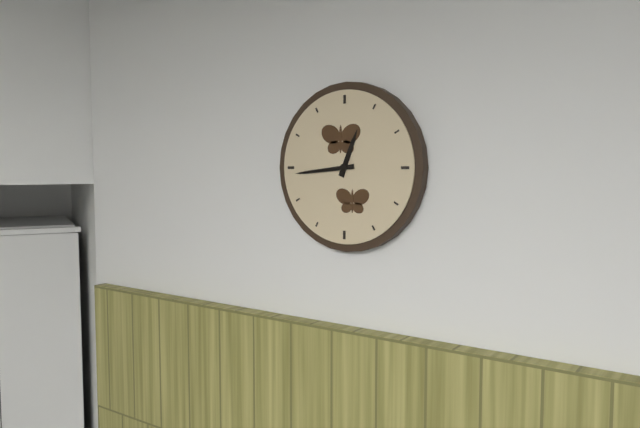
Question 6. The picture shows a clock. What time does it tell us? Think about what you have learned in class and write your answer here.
12:44
